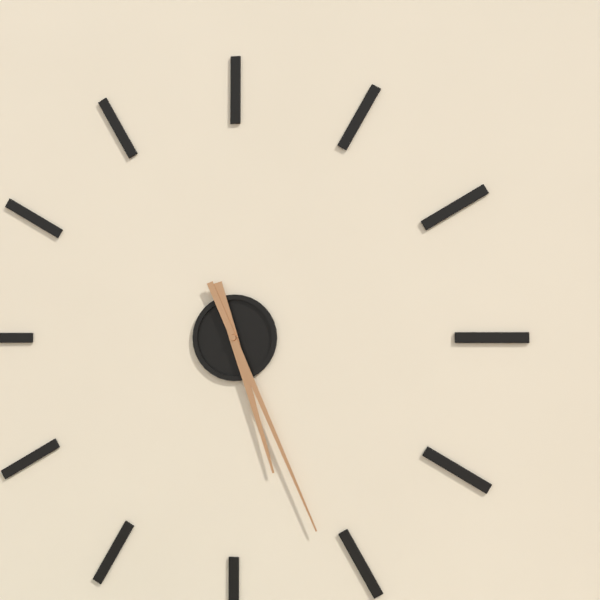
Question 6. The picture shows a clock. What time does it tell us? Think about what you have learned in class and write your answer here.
5:26
